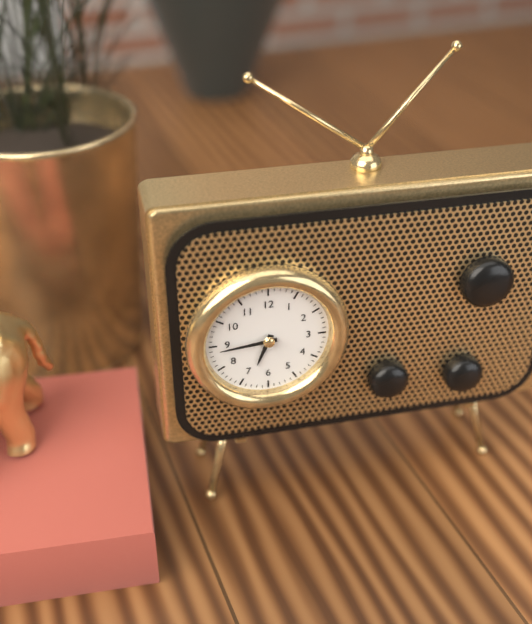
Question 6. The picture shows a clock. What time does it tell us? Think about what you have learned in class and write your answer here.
6:44
